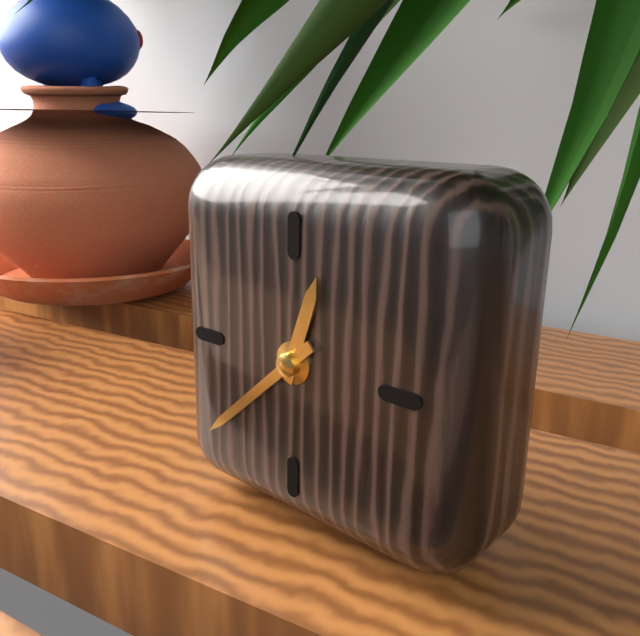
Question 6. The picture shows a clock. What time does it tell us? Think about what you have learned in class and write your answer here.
12:38
